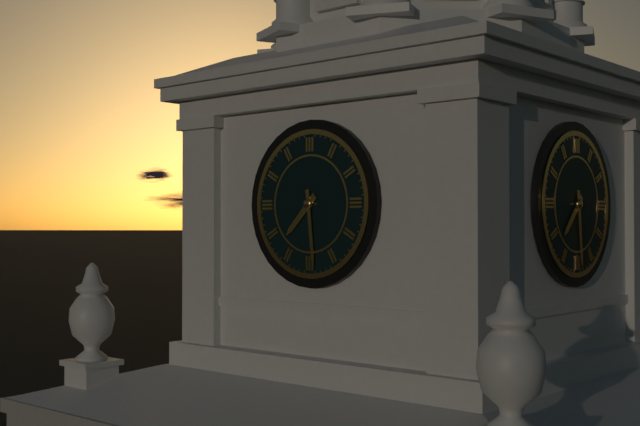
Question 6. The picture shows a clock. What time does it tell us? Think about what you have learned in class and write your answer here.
7:29
